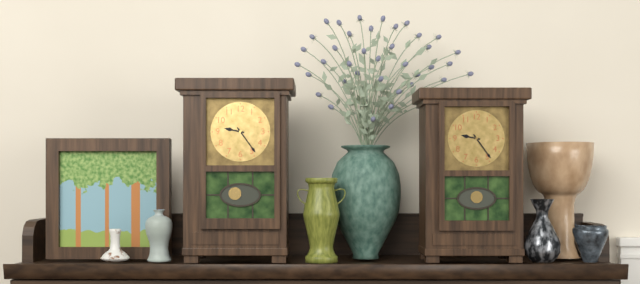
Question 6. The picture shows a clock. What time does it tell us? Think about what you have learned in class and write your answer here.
9:24
